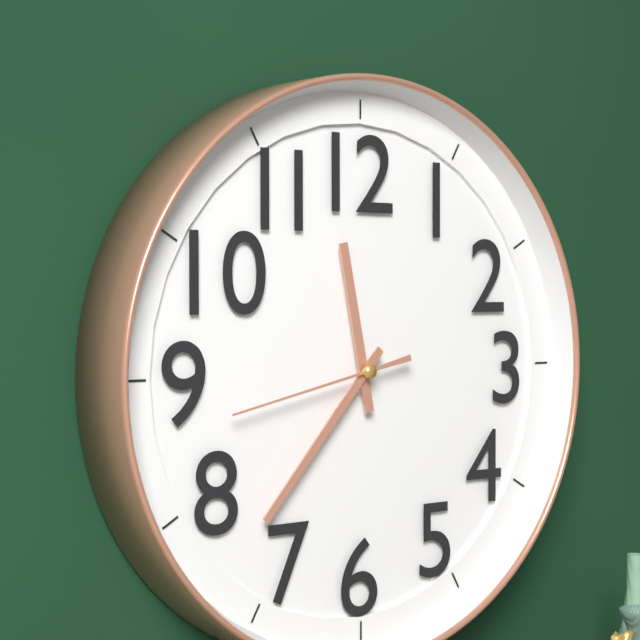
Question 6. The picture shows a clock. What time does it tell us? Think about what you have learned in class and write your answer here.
11:37:43
